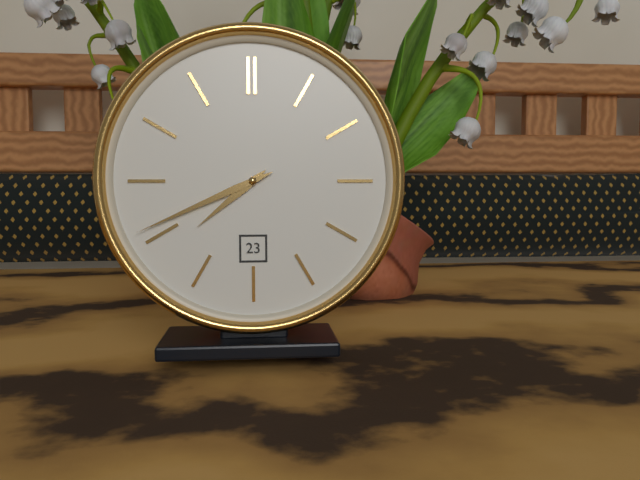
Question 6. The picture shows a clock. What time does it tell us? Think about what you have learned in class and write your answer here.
7:41
